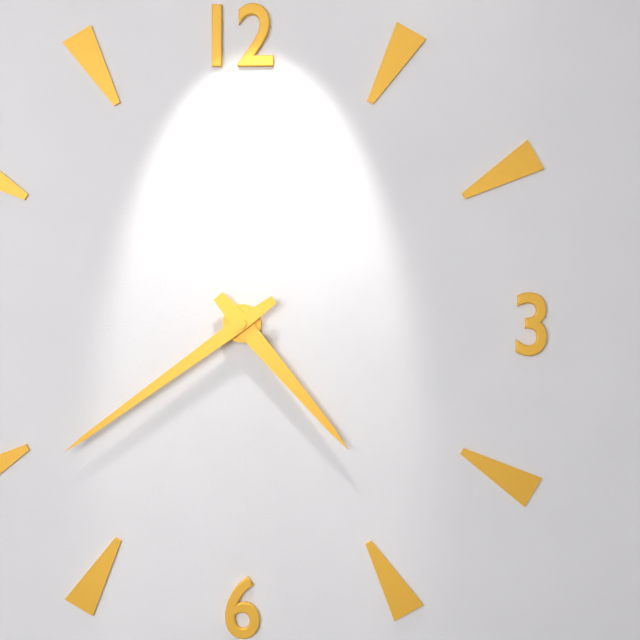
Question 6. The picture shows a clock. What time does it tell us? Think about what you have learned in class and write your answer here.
4:39
